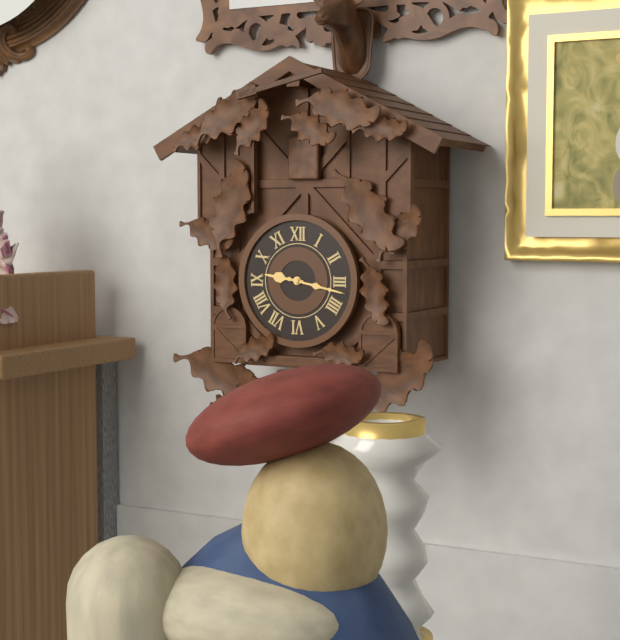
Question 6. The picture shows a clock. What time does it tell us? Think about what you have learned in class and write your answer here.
9:17
